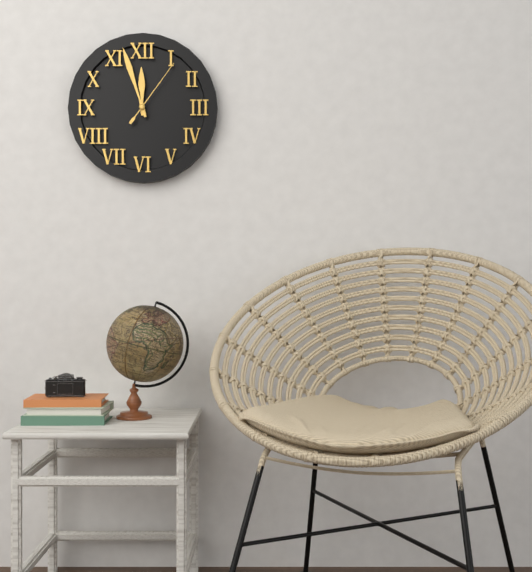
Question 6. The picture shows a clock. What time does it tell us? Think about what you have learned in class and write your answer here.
11:57:06
